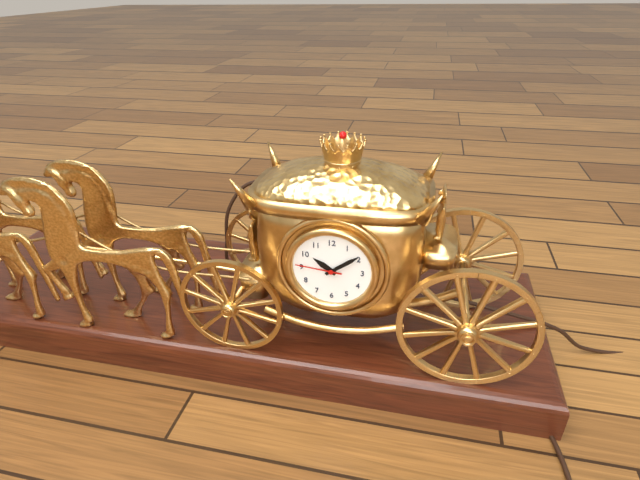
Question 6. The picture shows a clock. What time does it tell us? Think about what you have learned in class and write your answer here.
10:09
